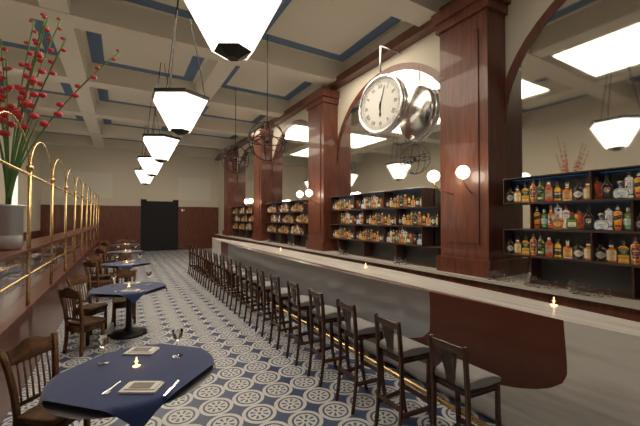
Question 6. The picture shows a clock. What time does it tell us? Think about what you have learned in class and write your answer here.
6:03
